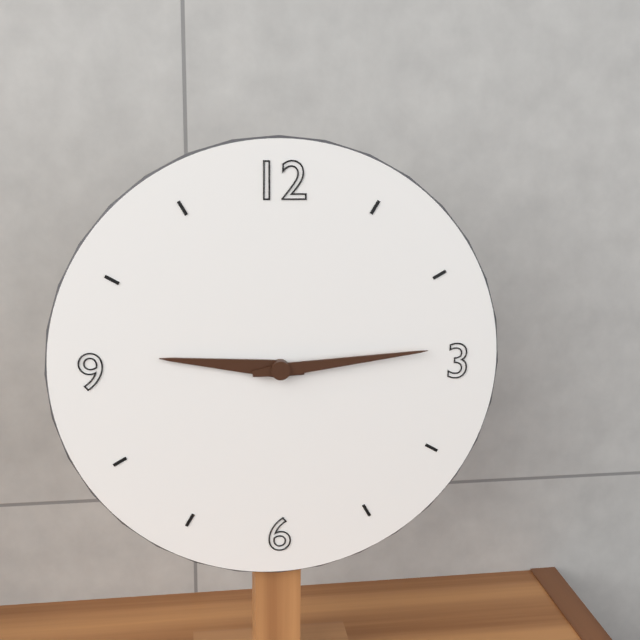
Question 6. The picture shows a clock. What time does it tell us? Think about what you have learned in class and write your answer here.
9:14
